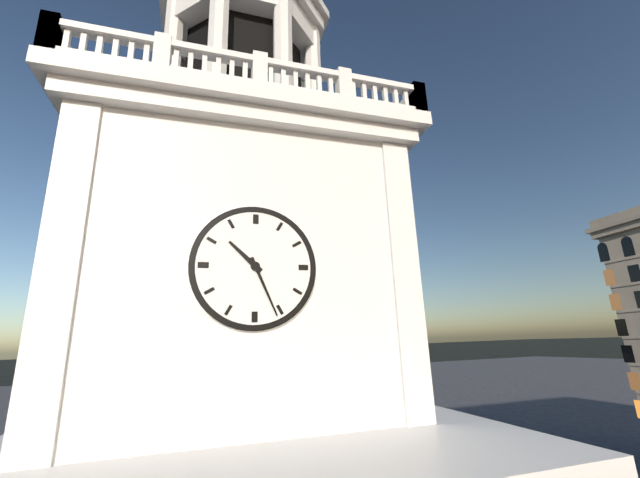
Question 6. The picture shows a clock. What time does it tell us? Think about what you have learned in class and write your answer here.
10:26
